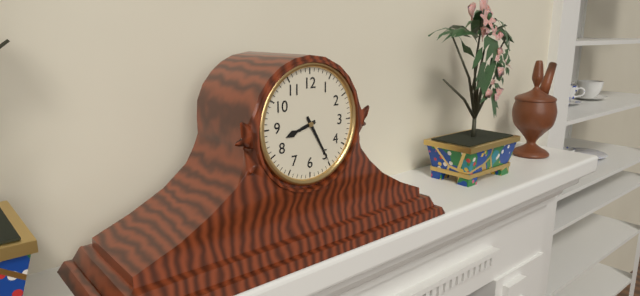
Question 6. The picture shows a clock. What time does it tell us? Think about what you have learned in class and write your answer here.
8:25
